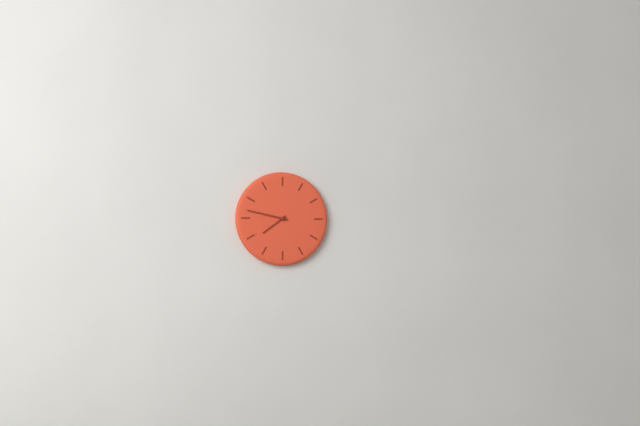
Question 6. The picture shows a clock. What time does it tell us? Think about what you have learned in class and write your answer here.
7:47
